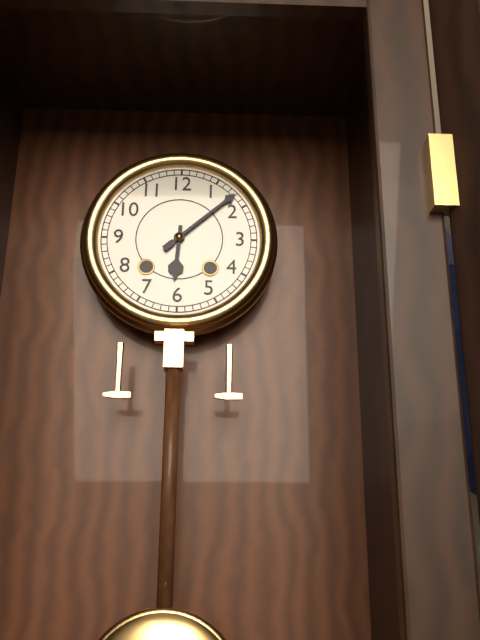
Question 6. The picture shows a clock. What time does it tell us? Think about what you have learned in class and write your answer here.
6:08
